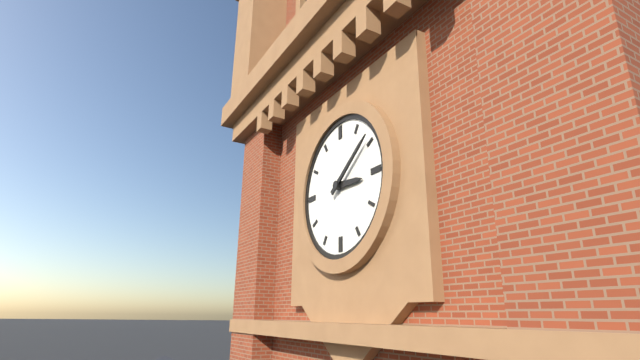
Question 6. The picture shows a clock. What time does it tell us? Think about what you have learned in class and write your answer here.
3:09
